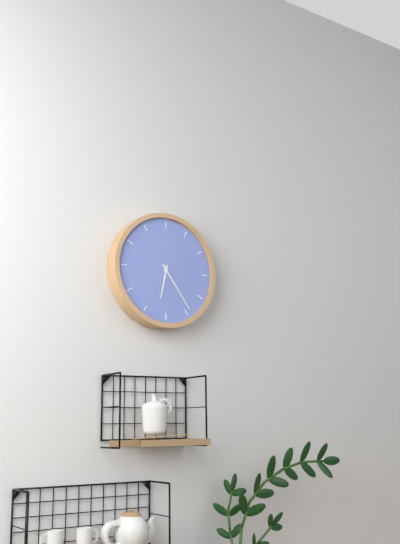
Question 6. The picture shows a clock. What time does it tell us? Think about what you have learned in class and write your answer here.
6:24
